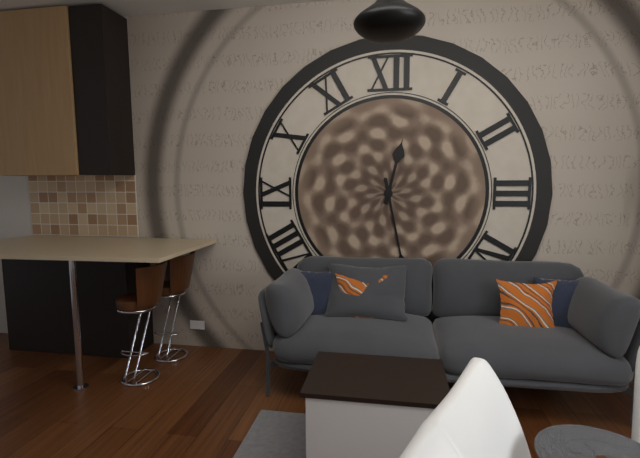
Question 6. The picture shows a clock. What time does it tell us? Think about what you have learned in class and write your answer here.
12:28
